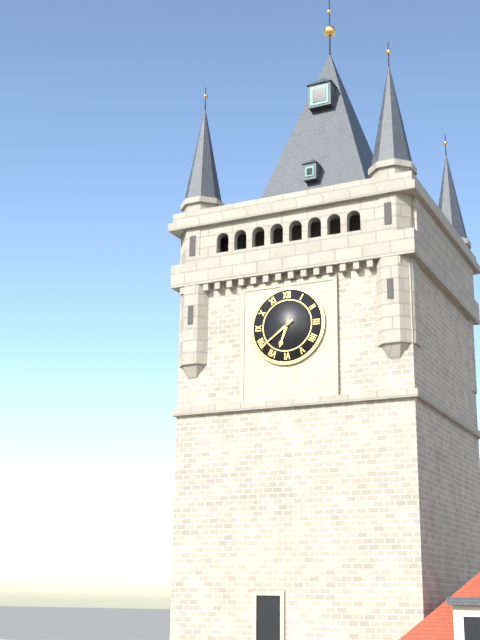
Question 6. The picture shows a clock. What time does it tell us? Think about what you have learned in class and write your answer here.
6:39
